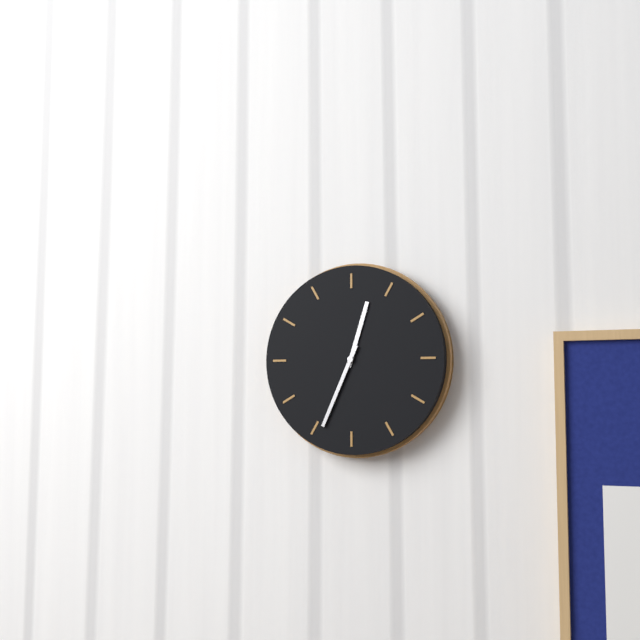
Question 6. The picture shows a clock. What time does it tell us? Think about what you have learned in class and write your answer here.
12:34
